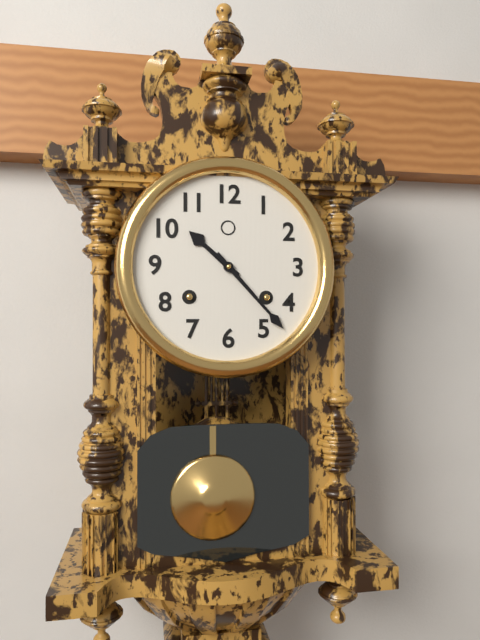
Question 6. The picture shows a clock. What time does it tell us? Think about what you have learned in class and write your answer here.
10:23
